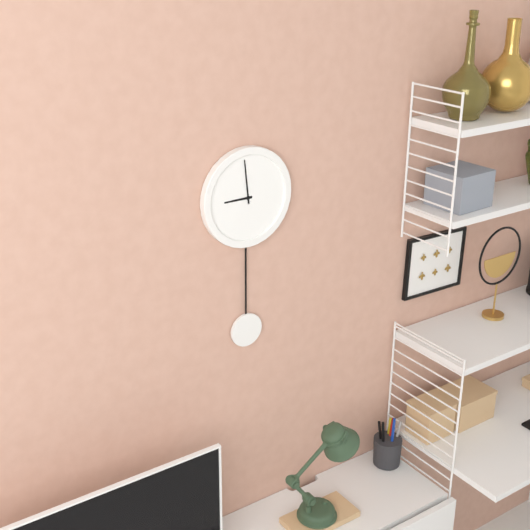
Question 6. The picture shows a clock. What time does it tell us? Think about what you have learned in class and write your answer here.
8:59
